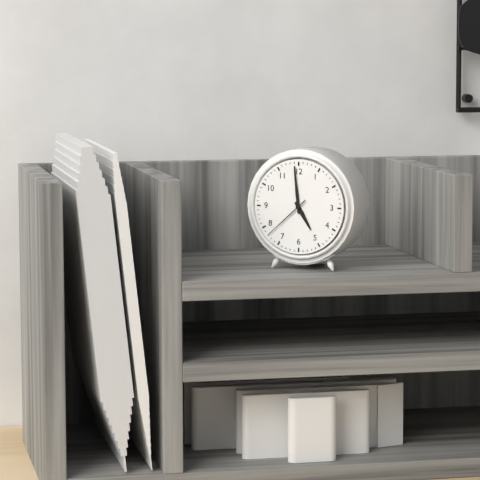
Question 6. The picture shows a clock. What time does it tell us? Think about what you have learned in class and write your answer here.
4:59:38
